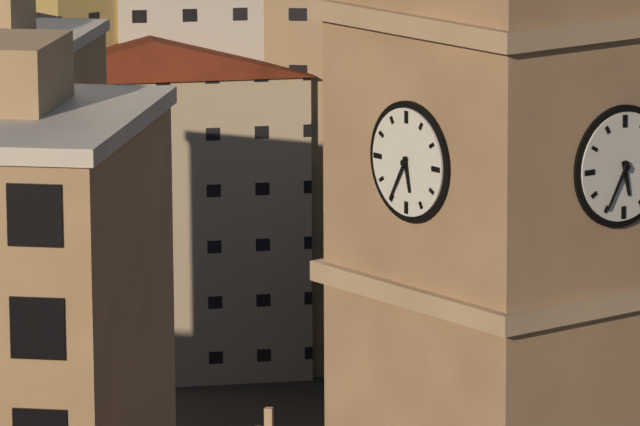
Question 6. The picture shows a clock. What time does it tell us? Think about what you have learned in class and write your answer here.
5:35
